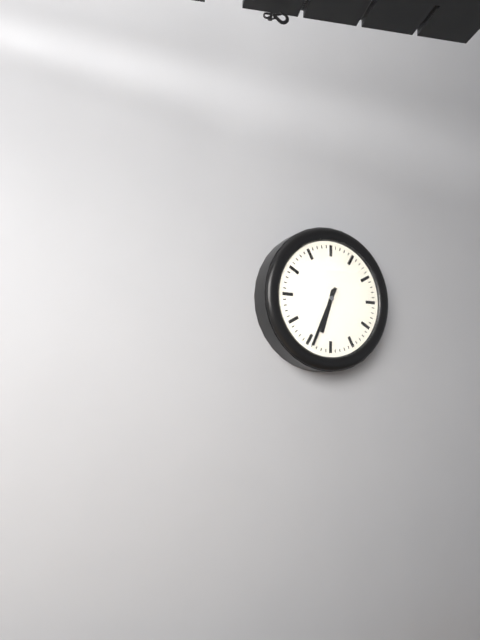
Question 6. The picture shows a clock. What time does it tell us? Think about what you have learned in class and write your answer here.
6:34
